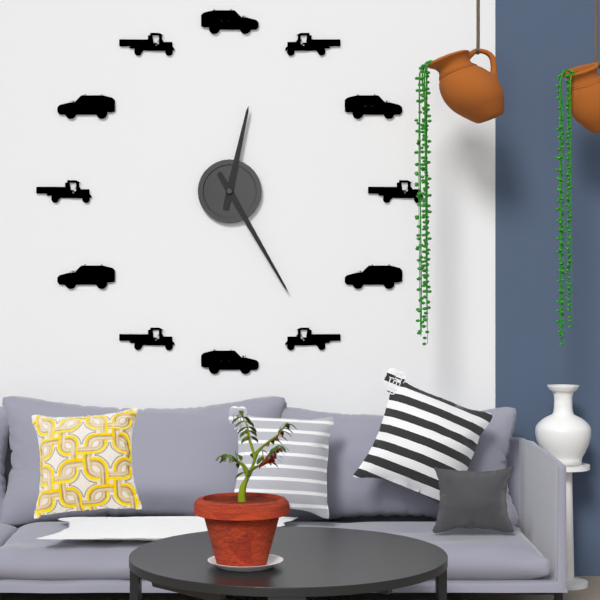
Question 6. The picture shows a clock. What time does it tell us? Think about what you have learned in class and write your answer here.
12:25
